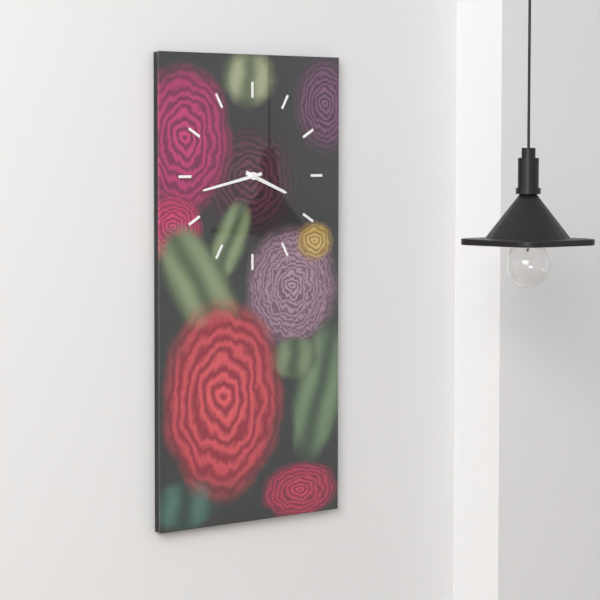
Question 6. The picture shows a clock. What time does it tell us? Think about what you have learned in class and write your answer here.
3:43
